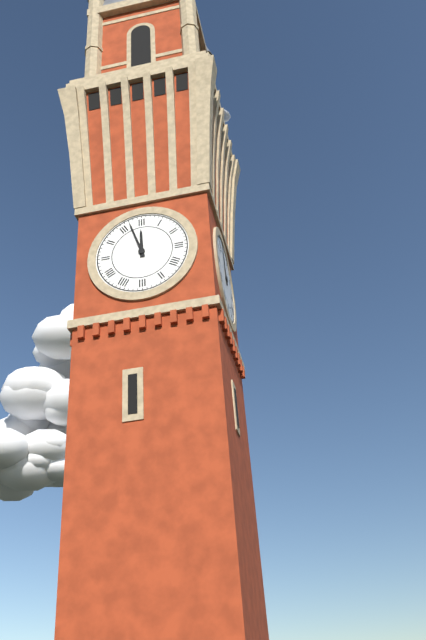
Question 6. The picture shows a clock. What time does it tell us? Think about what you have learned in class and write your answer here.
11:57
